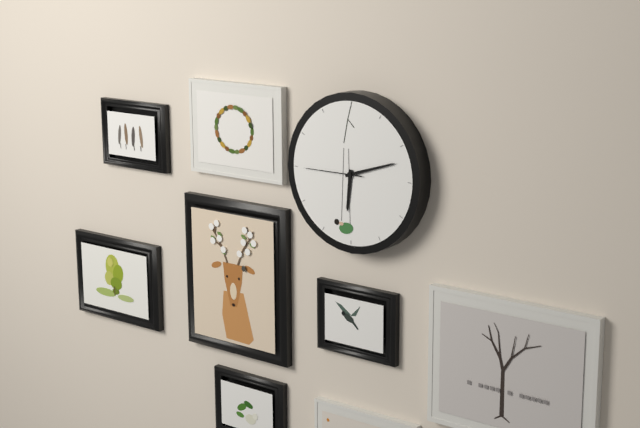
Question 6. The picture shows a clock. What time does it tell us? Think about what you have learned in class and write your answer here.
6:12:45
